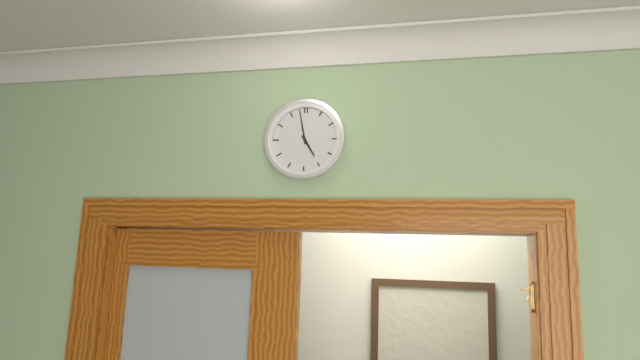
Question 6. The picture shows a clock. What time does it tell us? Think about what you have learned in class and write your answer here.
4:58
